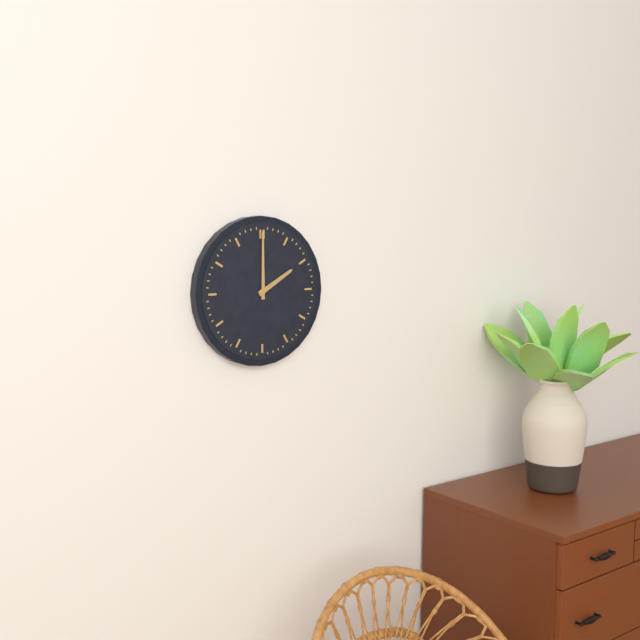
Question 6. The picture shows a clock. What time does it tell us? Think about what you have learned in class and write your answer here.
2:00
